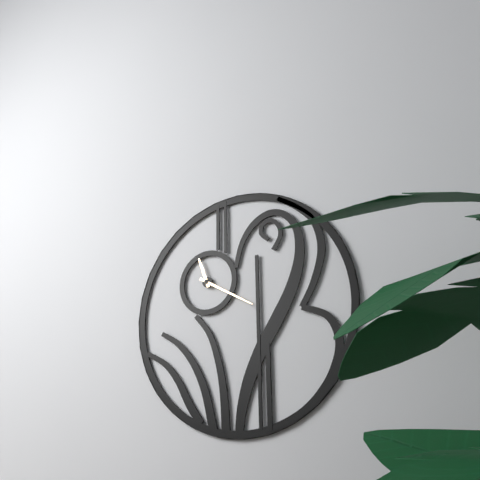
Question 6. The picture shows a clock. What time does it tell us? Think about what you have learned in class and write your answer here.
11:20
